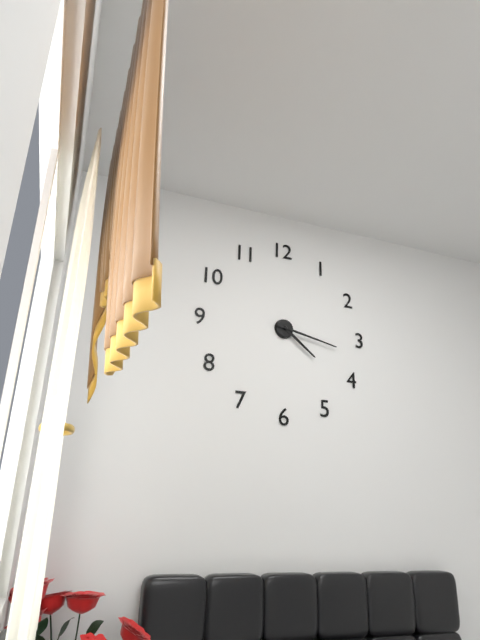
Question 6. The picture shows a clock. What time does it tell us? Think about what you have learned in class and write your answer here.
4:17
